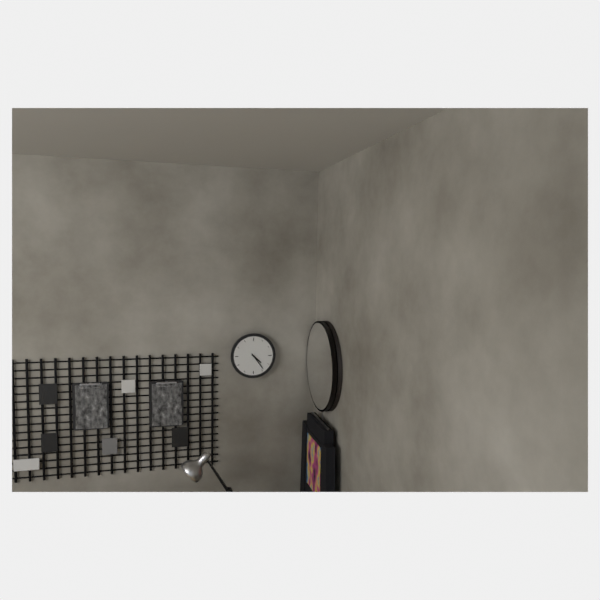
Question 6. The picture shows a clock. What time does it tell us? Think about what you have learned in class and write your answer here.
4:24
